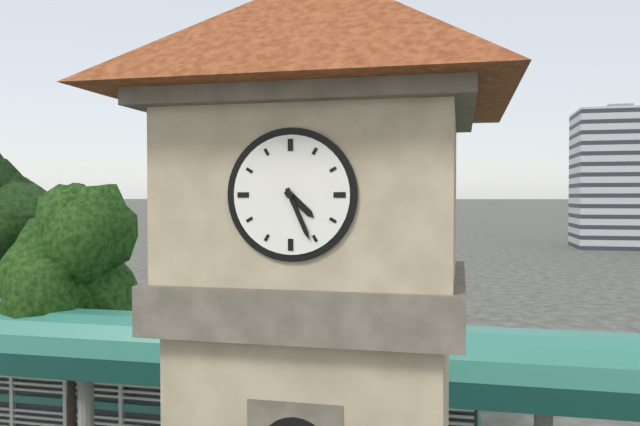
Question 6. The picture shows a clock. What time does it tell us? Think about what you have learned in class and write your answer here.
4:26
